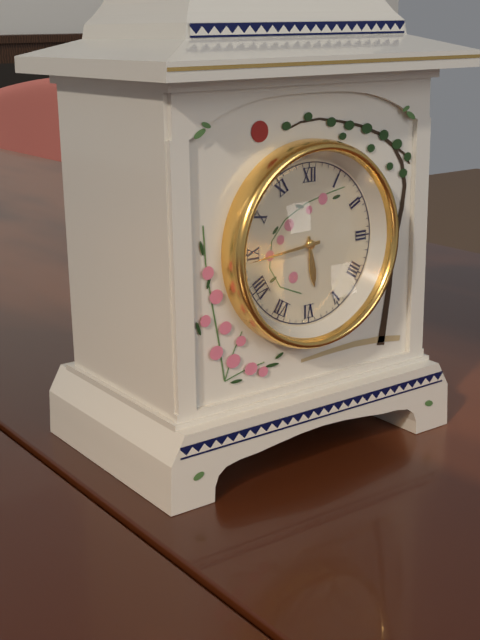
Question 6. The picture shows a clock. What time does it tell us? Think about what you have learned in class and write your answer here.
5:44
